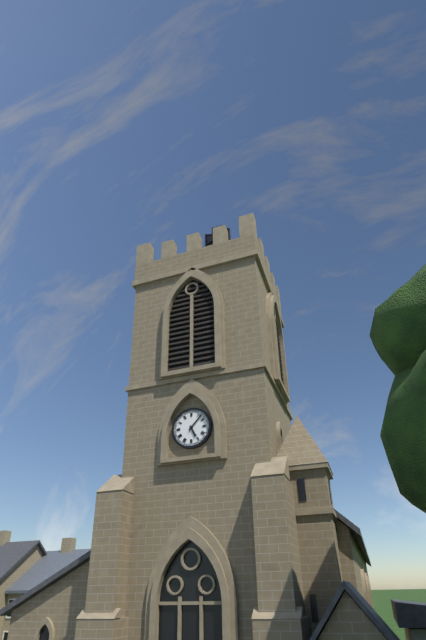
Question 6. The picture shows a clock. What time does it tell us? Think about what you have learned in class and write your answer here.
5:07
